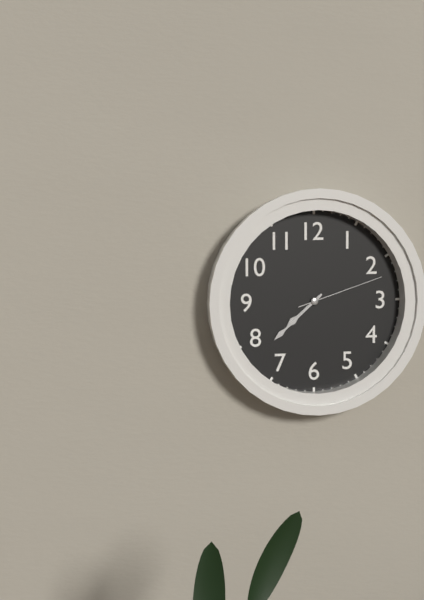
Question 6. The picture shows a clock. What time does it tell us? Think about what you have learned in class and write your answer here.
7:38:12
